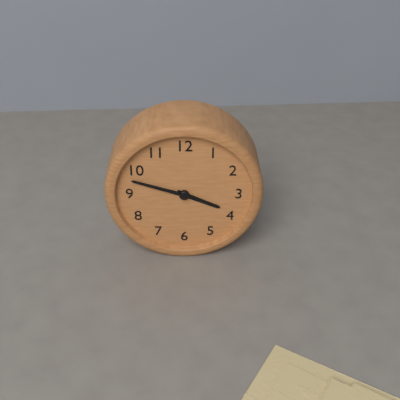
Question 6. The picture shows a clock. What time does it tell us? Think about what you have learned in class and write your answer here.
3:48
